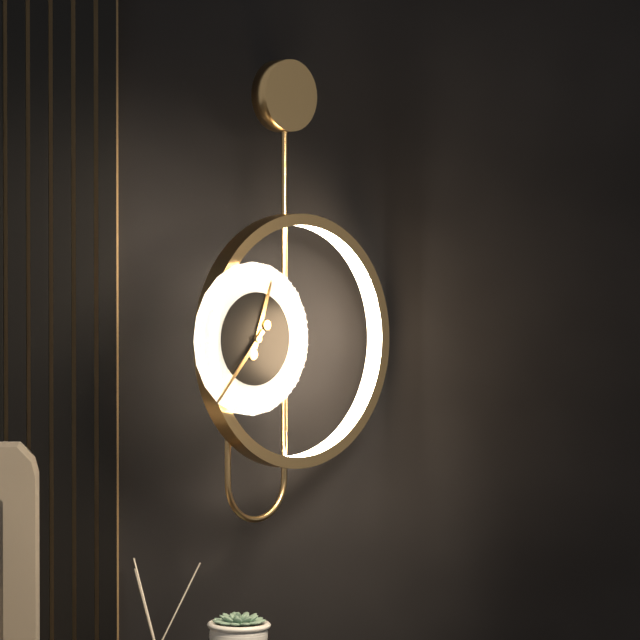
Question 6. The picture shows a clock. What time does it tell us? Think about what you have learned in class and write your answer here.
12:37
